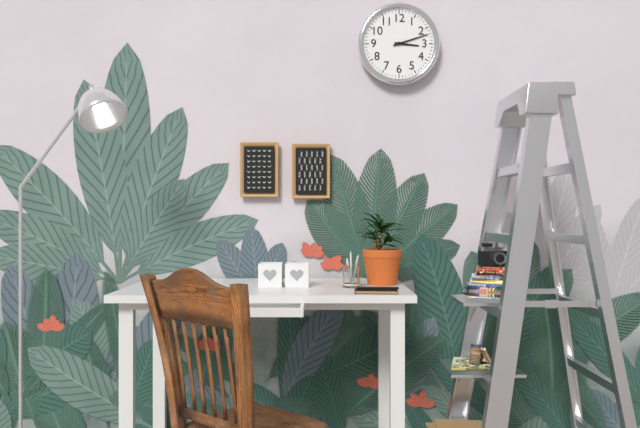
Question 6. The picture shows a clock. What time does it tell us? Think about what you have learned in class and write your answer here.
3:12
